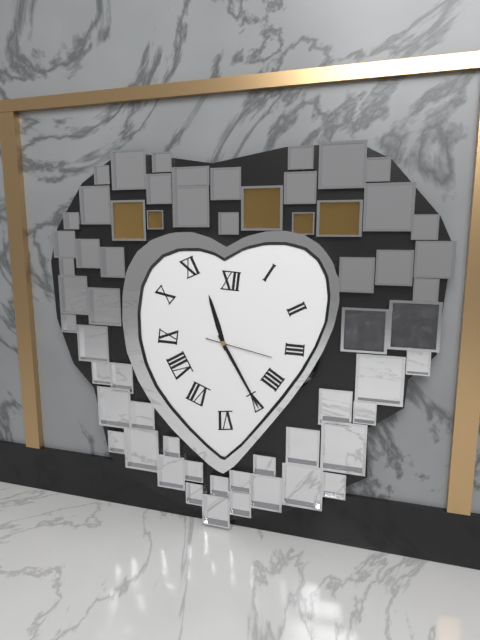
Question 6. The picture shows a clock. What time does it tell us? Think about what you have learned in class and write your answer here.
11:25:17
